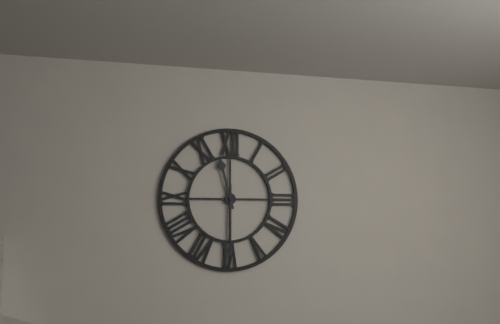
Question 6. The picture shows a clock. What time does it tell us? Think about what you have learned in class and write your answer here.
11:30
